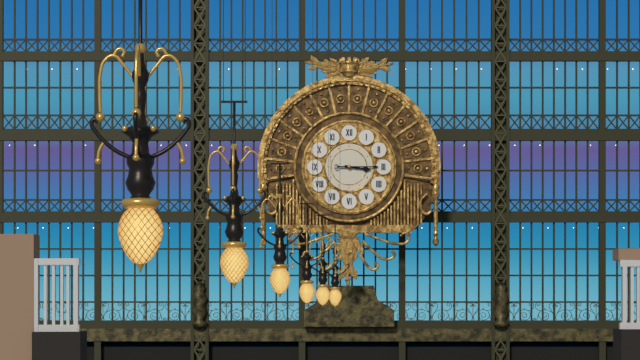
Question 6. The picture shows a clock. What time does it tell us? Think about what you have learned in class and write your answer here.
3:15
